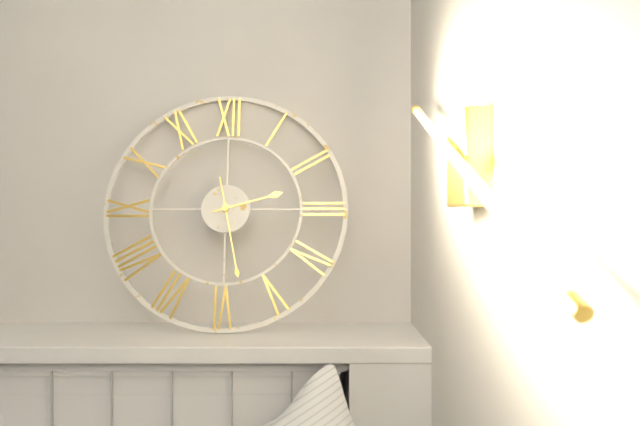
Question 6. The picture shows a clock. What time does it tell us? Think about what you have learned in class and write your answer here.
2:28
